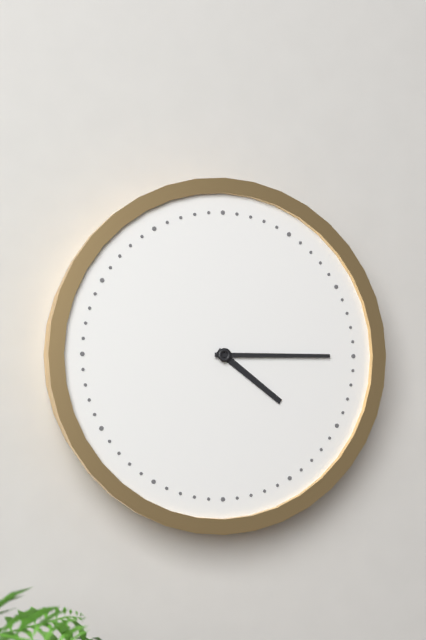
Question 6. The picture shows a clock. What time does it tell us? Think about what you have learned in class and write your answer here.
4:15
